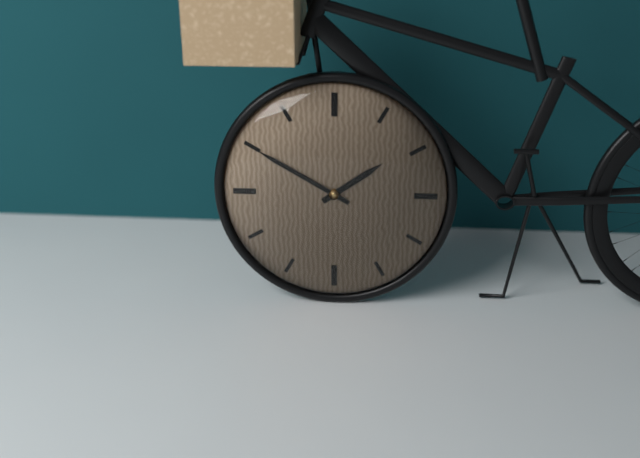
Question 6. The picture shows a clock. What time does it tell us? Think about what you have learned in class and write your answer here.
1:50
